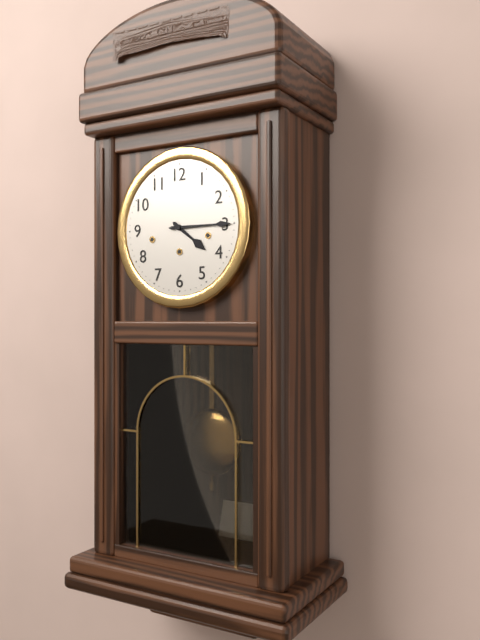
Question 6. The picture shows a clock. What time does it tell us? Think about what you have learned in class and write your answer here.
4:15
